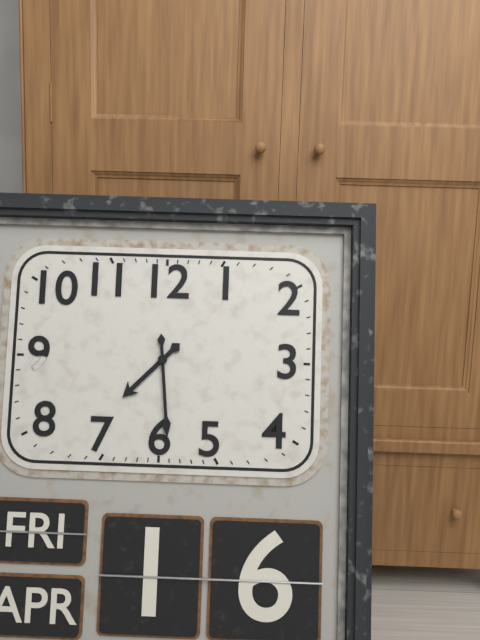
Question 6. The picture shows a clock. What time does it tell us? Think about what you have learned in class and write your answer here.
7:29
